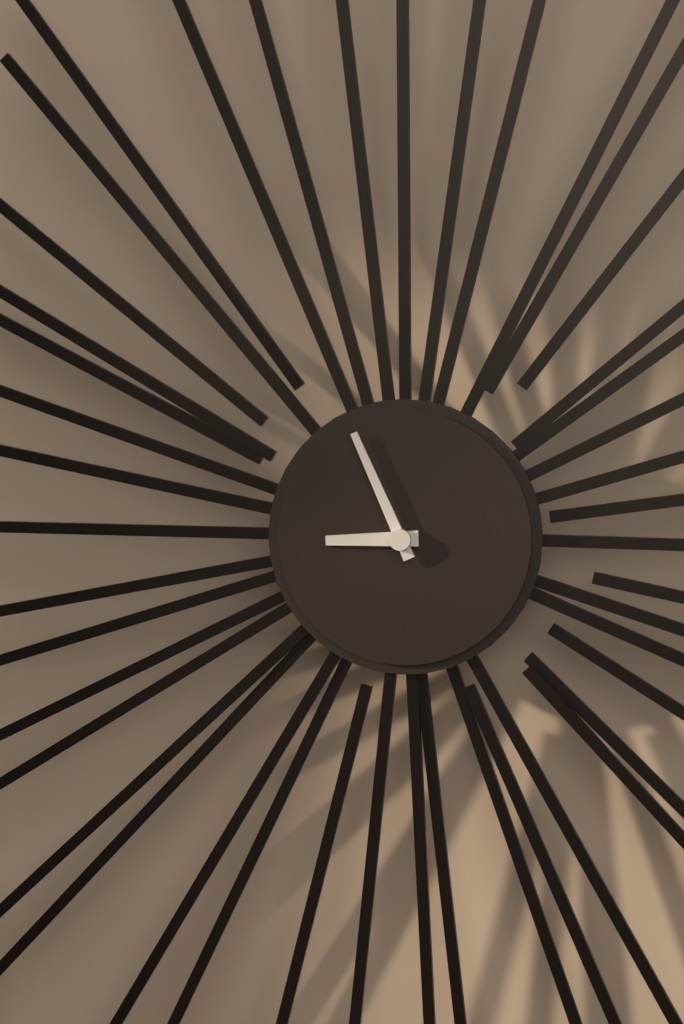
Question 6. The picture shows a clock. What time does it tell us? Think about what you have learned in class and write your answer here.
8:56
